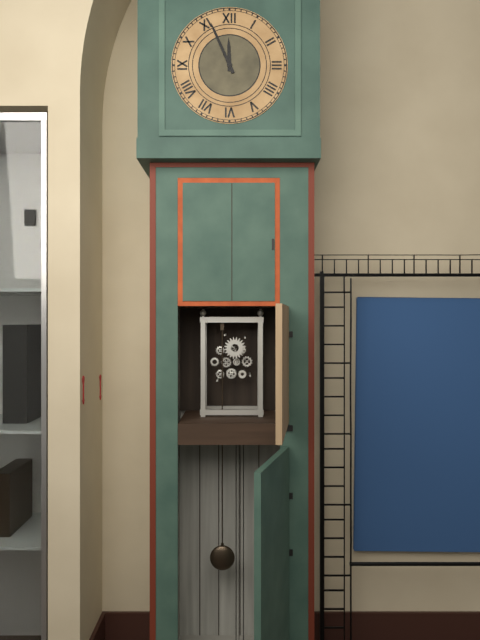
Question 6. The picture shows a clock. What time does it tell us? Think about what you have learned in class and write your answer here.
11:56
